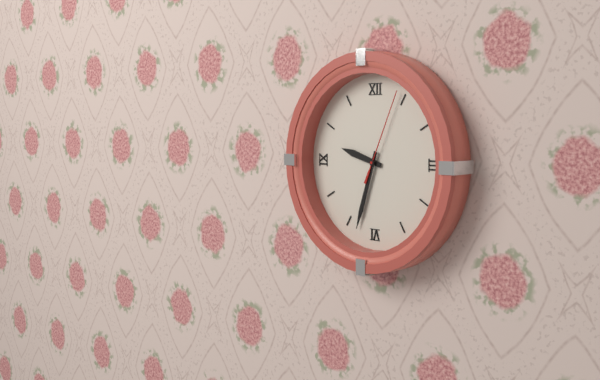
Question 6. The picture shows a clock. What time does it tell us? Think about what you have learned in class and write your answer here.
9:33:04
